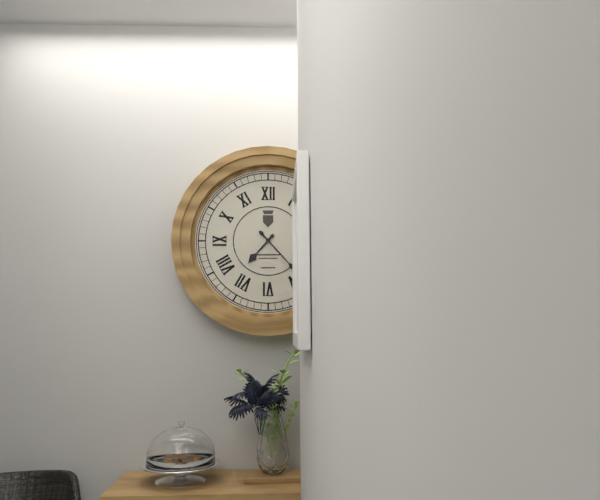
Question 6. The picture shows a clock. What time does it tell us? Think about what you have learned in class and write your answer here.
7:23
